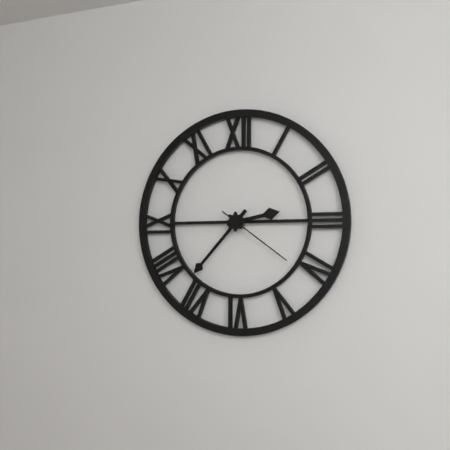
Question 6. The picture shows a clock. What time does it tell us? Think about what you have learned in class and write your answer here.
2:37:21
